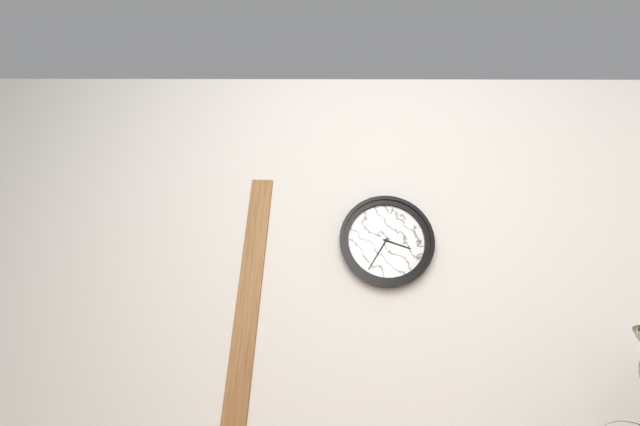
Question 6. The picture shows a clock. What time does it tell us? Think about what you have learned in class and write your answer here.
3:35
